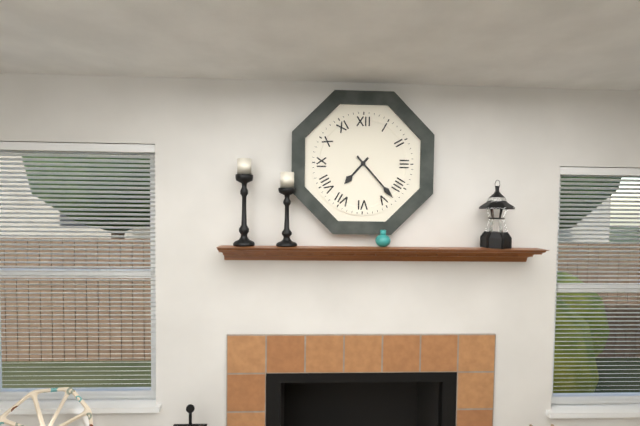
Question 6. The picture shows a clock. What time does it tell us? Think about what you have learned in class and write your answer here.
7:23
